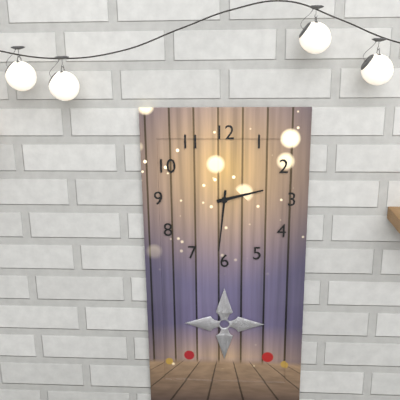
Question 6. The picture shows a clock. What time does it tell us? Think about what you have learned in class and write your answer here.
2:31
